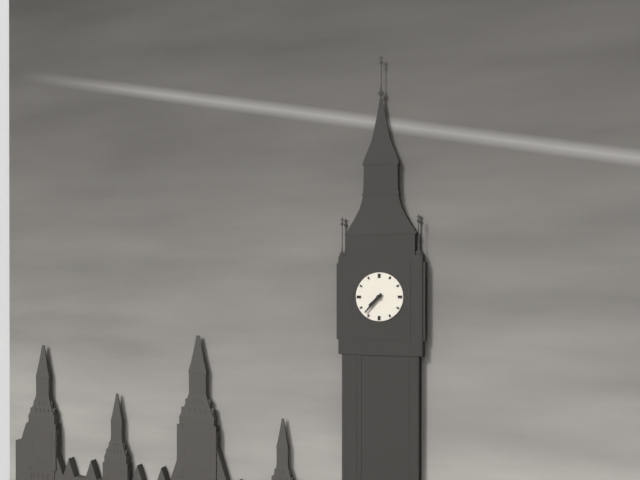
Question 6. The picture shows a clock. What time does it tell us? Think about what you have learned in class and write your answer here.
7:37
